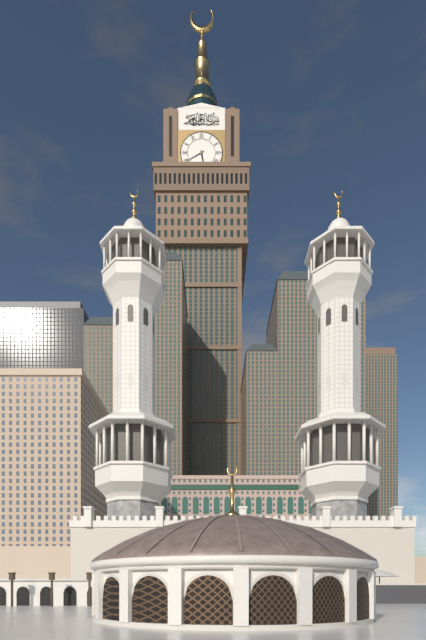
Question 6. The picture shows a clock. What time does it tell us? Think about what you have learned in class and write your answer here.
5:40
